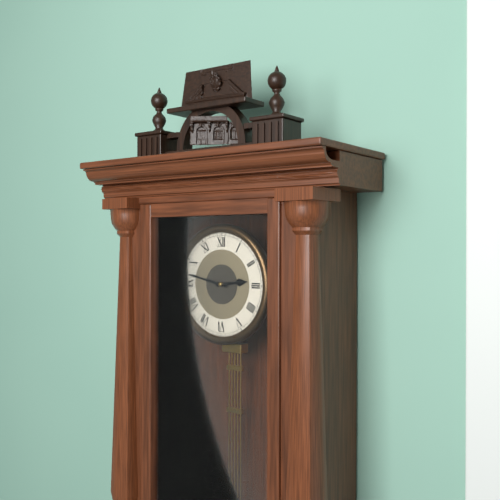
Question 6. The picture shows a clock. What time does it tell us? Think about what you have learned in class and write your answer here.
2:47
